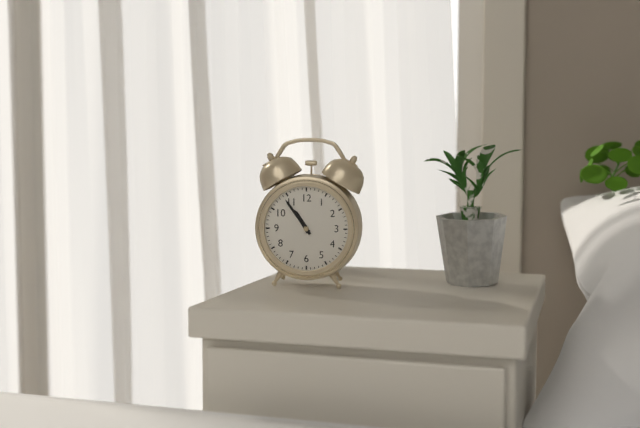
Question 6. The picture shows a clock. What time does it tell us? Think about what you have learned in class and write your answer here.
10:54
